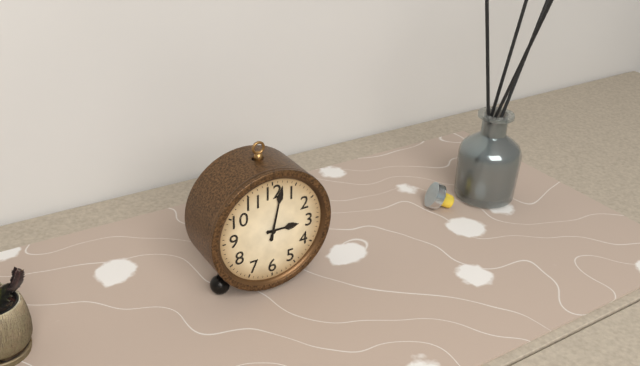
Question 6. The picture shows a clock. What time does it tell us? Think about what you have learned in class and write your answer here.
3:02
